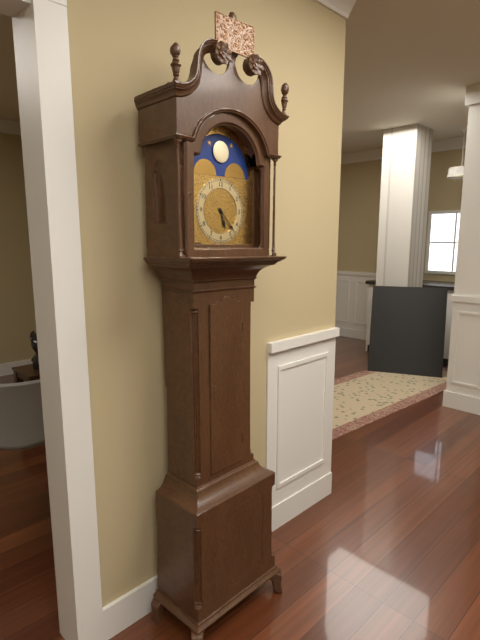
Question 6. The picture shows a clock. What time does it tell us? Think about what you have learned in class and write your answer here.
5:23
